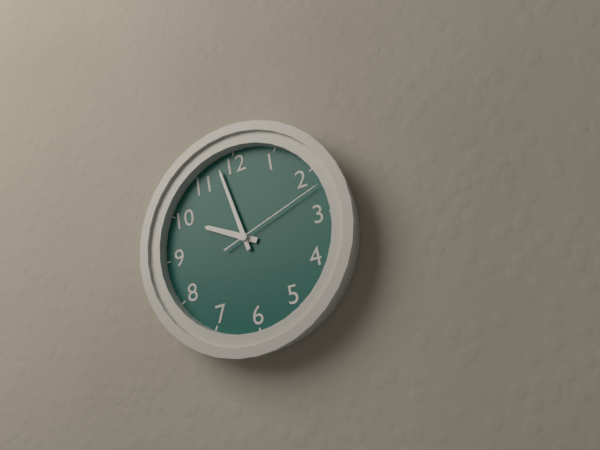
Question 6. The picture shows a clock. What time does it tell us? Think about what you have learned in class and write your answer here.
9:58:12
